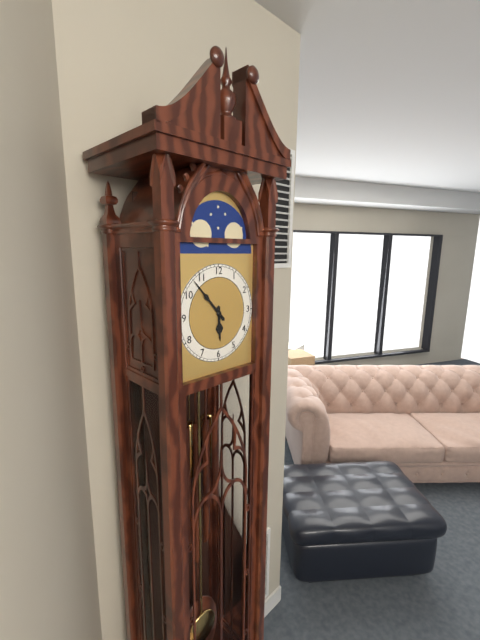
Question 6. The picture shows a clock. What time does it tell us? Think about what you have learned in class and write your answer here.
5:53
